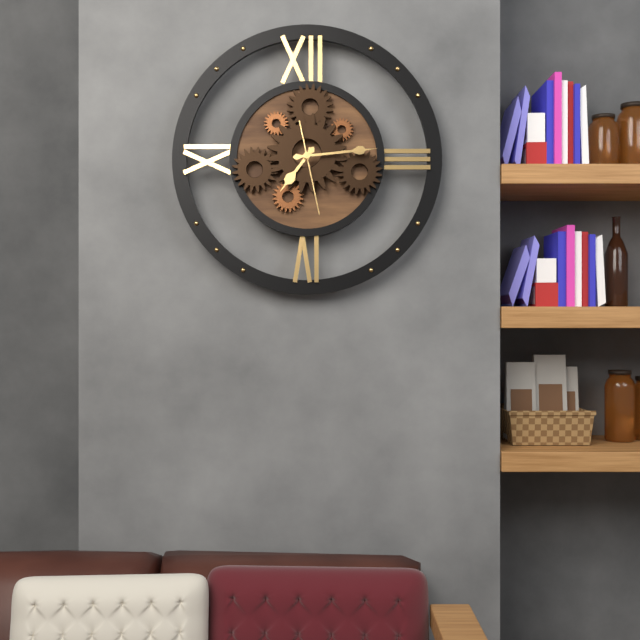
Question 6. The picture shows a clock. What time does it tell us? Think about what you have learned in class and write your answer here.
7:14:28
